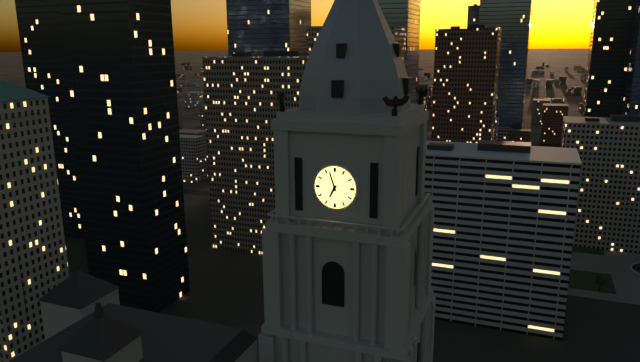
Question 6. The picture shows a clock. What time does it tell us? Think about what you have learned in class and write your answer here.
6:57
